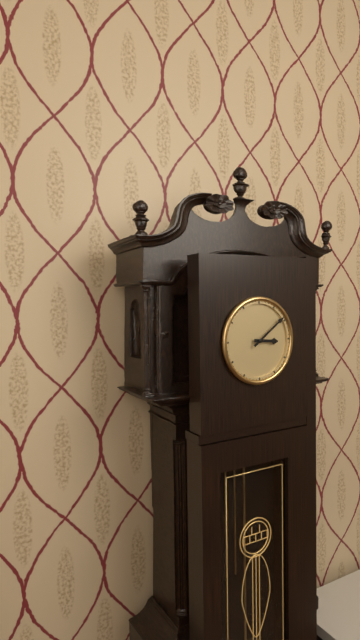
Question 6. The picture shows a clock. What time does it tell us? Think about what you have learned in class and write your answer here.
3:09
